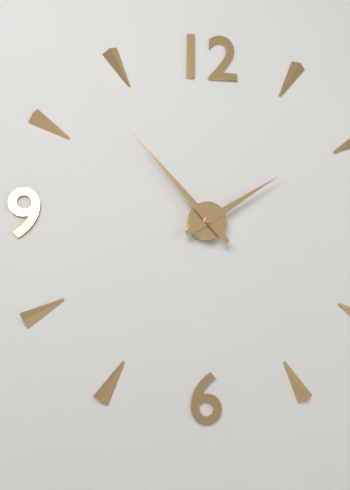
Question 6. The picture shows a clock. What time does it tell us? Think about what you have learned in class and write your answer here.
1:53
